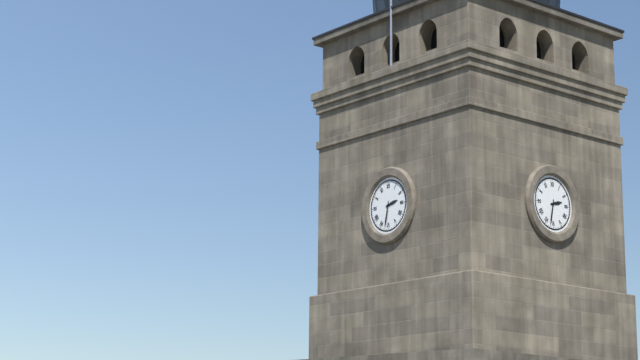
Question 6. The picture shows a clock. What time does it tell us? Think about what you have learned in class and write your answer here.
2:32
